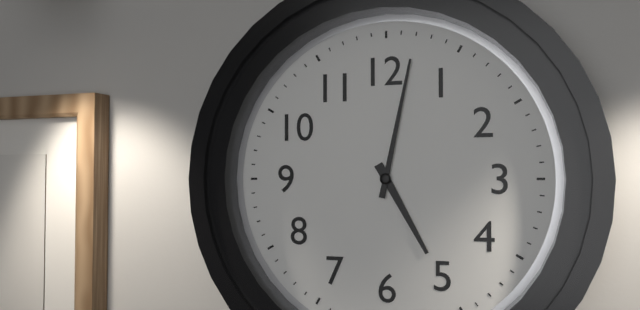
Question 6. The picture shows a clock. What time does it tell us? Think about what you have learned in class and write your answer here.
5:02
